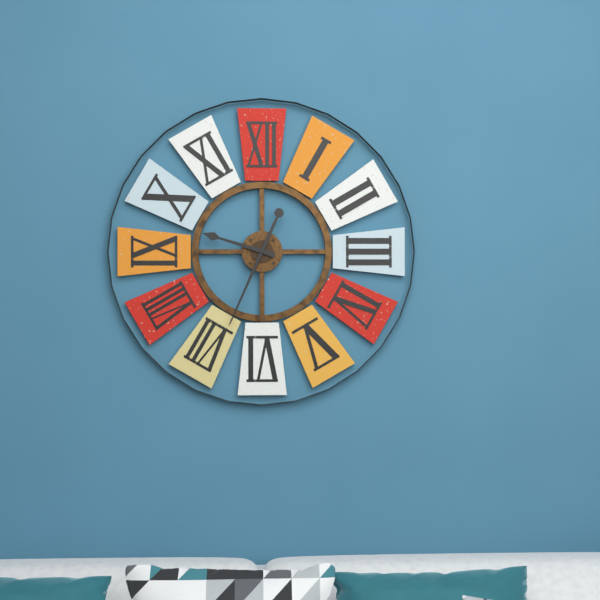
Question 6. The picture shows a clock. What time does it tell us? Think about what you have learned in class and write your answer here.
9:34
